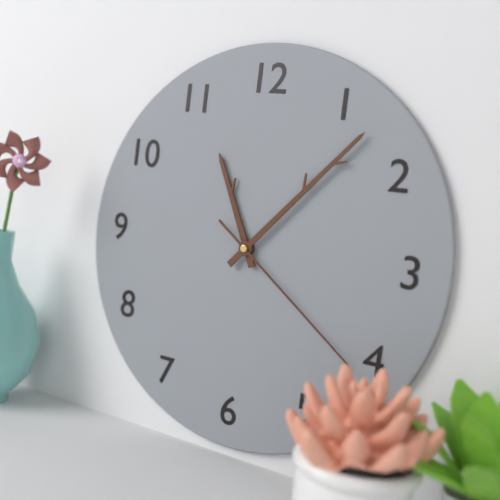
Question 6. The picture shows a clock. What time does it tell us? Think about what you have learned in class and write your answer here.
11:07:21
